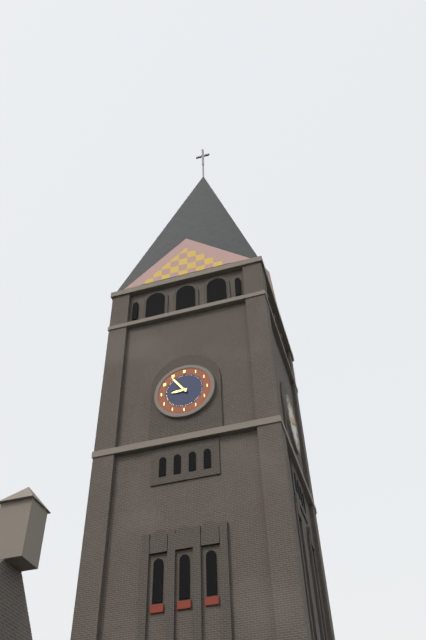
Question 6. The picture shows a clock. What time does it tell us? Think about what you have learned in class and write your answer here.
8:54
